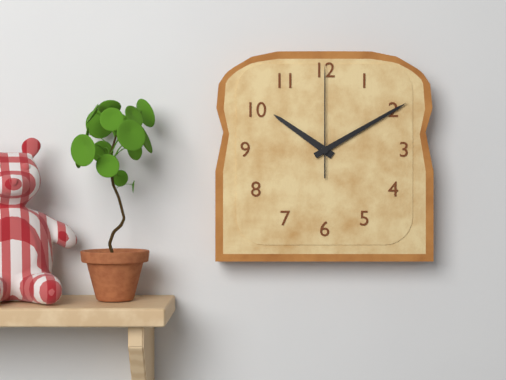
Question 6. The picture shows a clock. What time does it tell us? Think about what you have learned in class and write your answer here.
10:10:00
